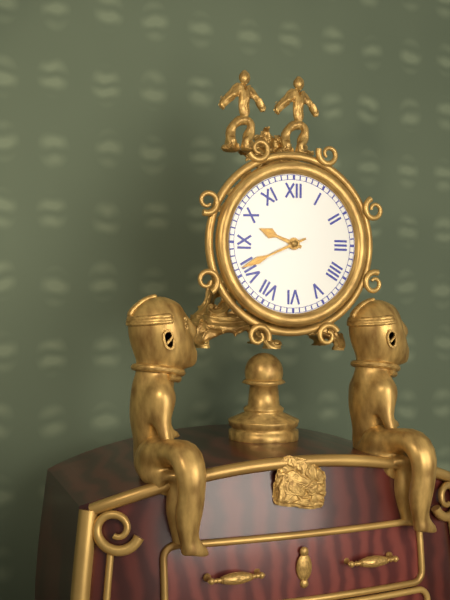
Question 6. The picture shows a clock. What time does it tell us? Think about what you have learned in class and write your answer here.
9:41
